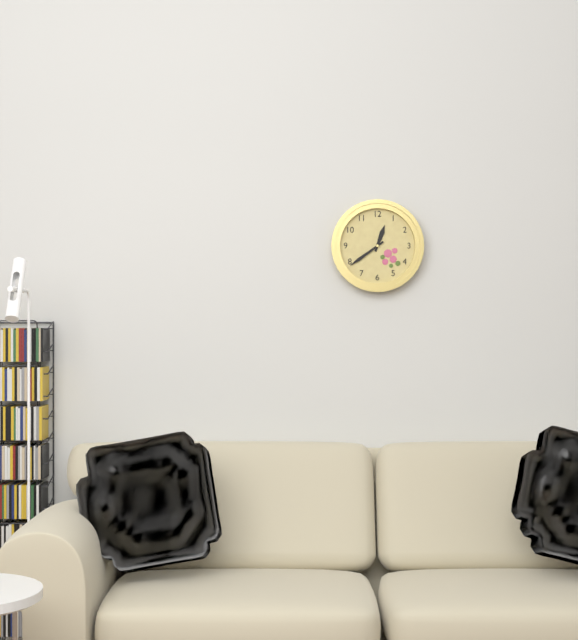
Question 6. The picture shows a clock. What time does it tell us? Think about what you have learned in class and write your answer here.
12:39
